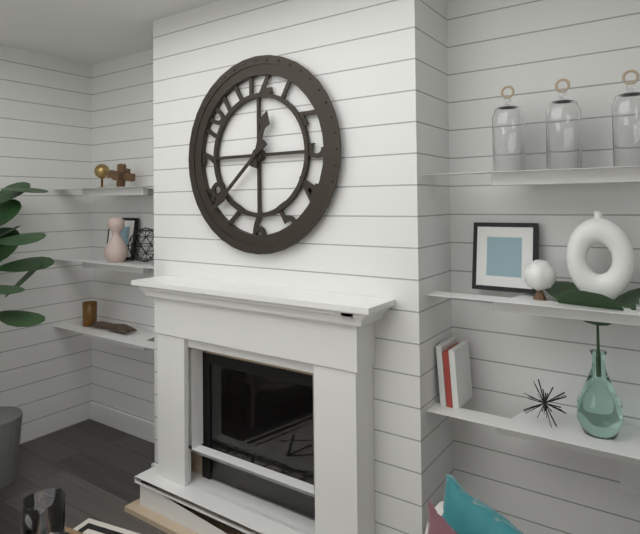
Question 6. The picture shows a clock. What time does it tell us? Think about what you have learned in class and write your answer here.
12:38
